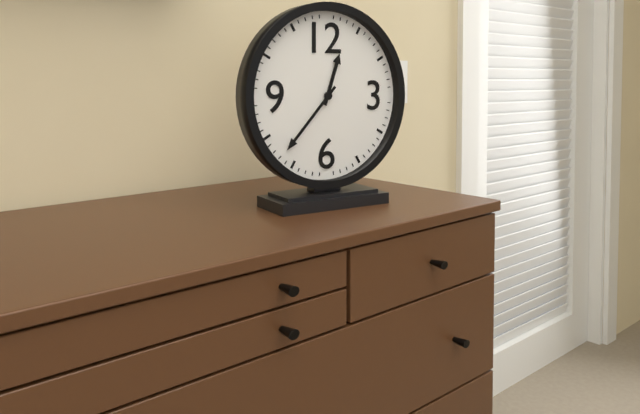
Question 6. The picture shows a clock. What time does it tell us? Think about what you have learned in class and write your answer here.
12:37
